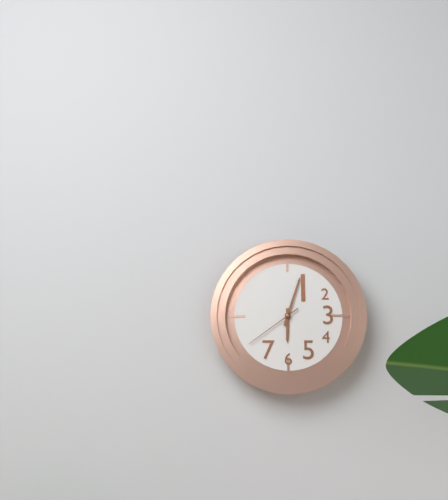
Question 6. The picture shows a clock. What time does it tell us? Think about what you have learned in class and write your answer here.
6:03:39
